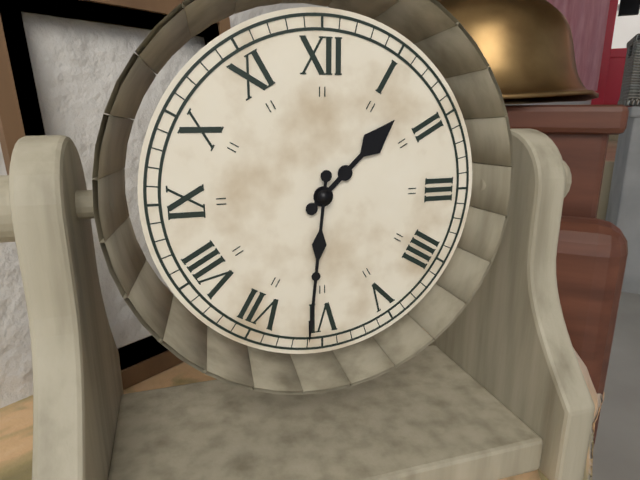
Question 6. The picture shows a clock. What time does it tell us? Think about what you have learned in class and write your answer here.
1:31
